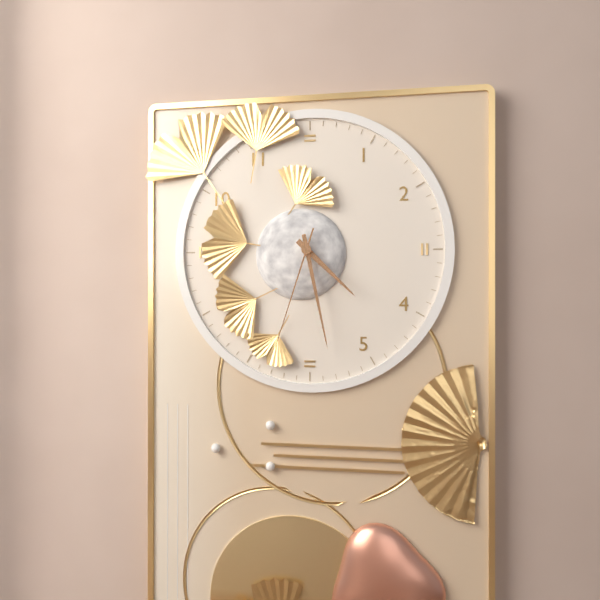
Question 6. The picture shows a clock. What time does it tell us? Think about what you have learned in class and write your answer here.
4:28:33
